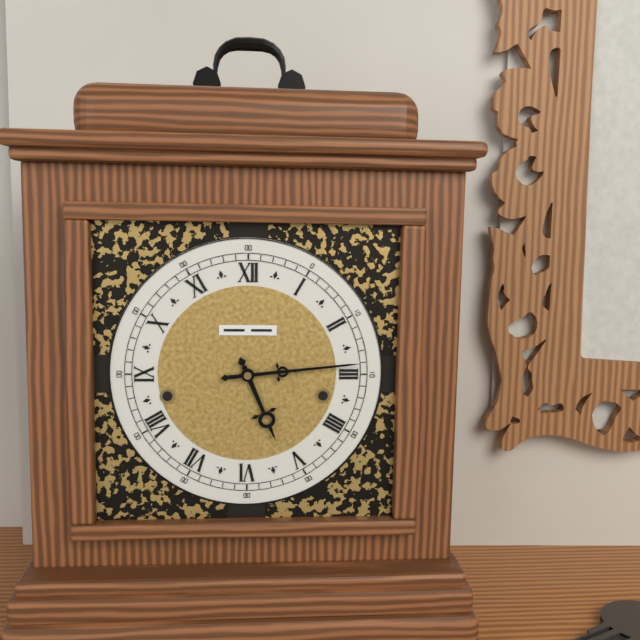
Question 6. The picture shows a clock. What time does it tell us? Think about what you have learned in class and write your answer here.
5:14
